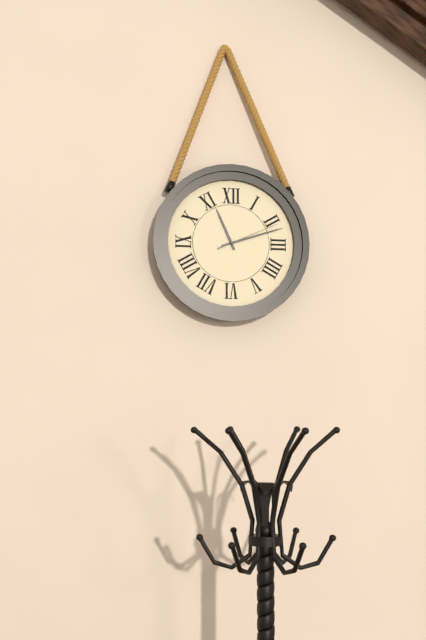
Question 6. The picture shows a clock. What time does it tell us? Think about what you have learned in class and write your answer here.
11:12:11
